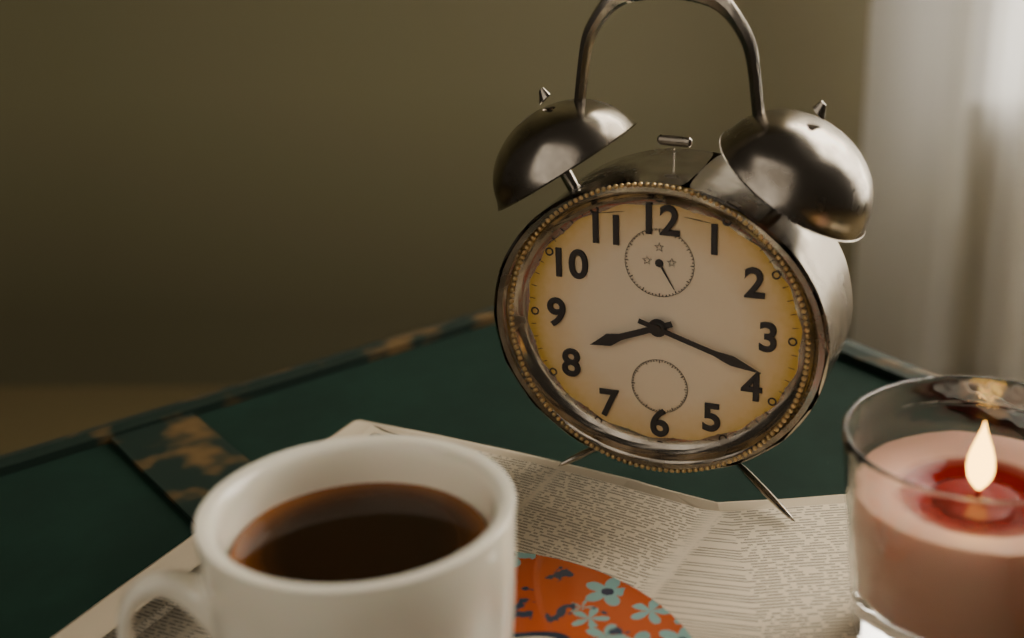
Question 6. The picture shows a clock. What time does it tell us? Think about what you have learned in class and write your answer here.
8:18
